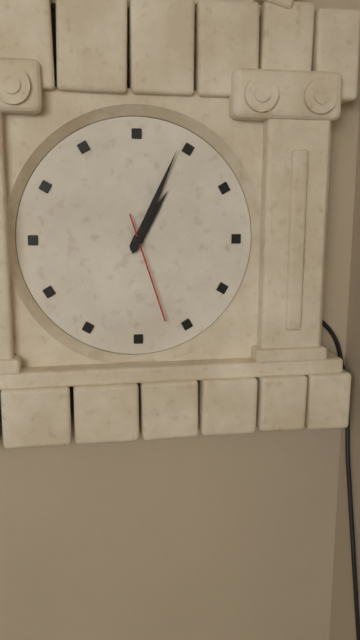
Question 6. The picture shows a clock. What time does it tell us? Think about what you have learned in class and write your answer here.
1:04:27
